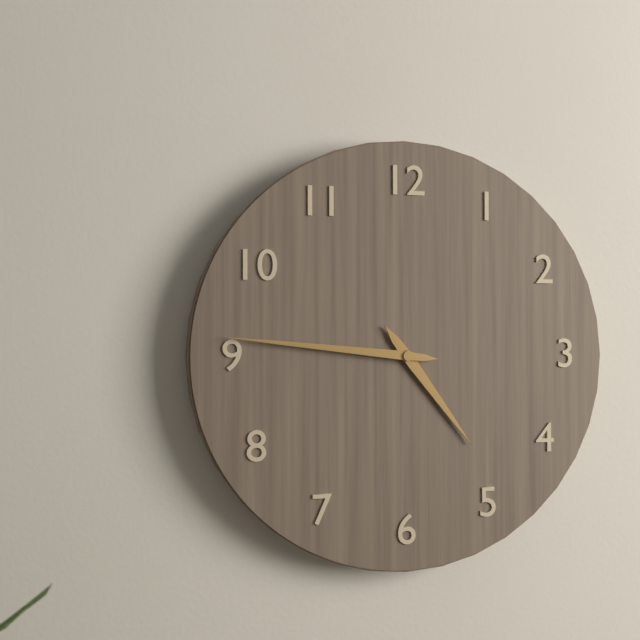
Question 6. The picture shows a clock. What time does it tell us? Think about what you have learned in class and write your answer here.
4:46
